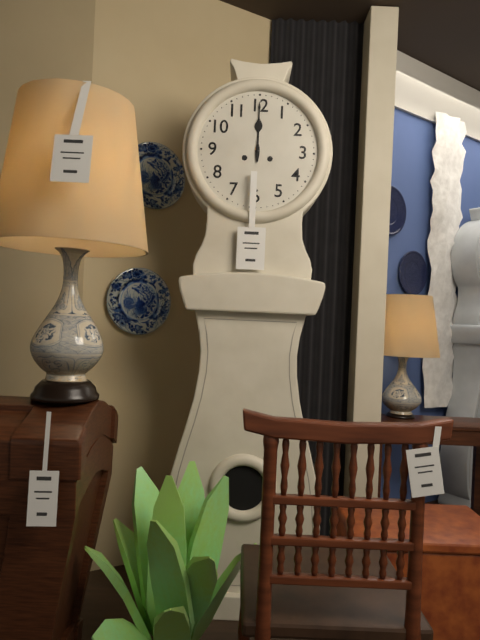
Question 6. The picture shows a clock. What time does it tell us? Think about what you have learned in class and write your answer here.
12:00
